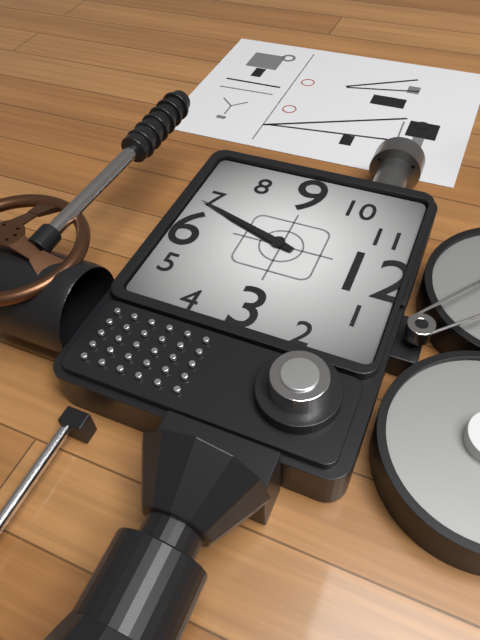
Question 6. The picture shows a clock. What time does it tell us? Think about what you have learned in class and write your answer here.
6:33
